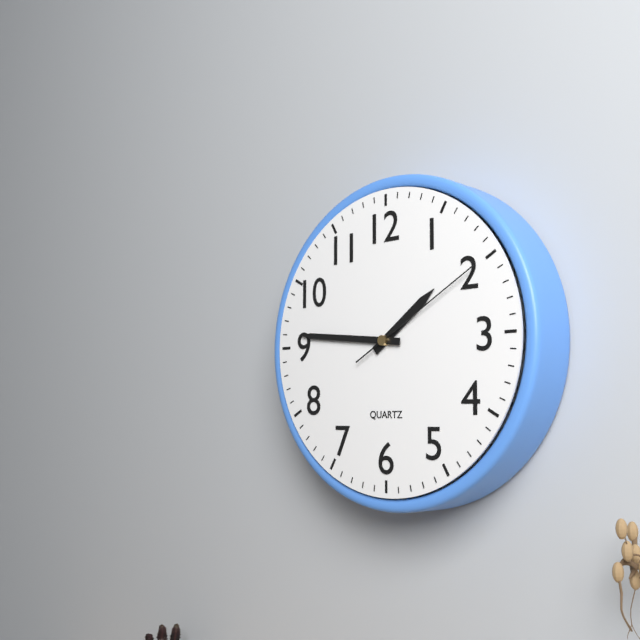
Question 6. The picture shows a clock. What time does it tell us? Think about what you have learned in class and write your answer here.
1:46:10
